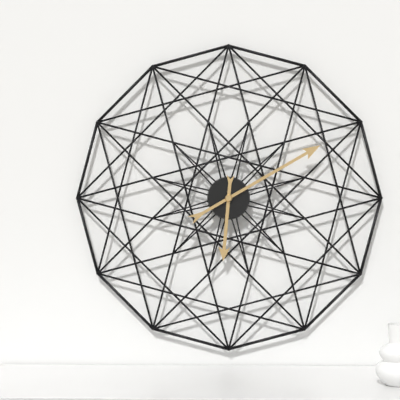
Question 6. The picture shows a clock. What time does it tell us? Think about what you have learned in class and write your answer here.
6:10
